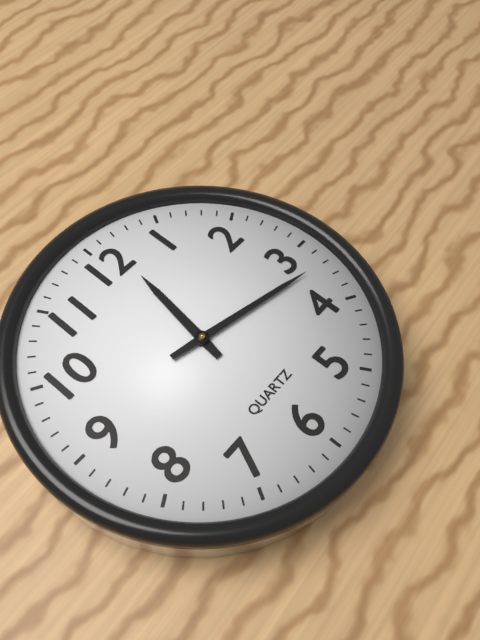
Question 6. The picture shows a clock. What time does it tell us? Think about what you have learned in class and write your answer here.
12:17
